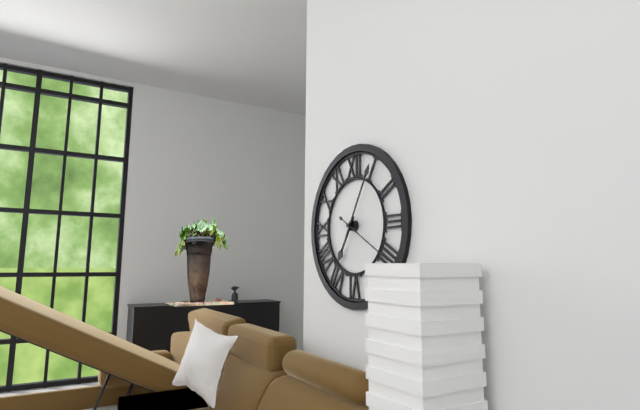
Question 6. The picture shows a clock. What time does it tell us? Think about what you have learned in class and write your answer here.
7:05:20
